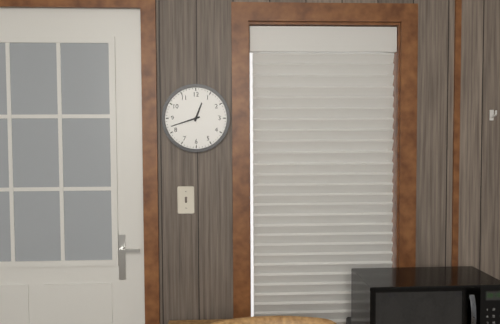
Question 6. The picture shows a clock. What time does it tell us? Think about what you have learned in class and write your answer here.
12:42
